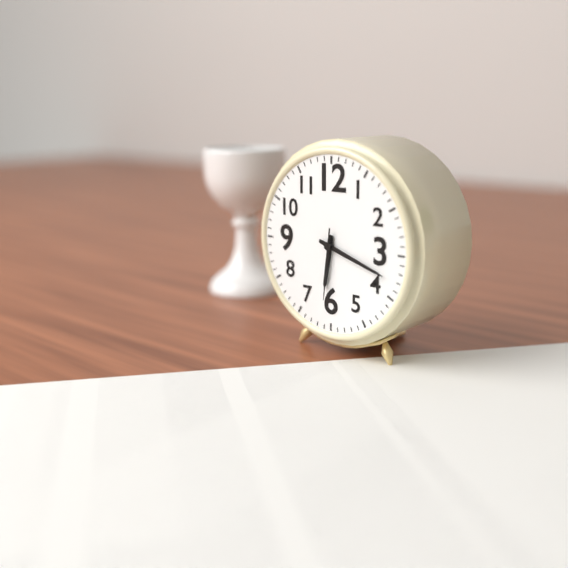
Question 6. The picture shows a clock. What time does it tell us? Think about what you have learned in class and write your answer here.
6:18:31
